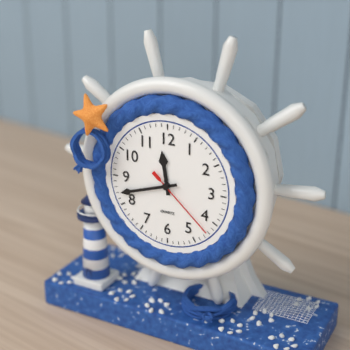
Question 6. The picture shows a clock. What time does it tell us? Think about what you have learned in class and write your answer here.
11:42:22
